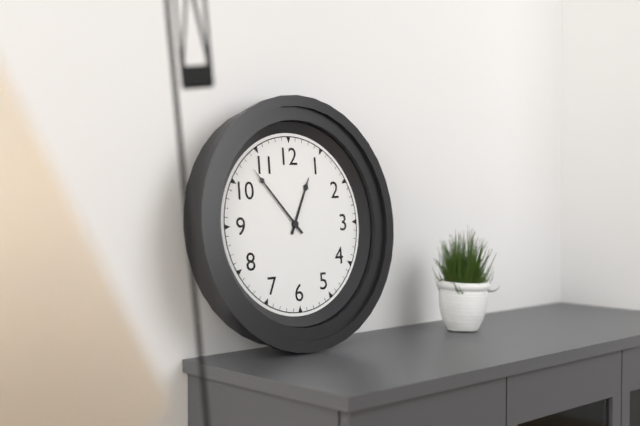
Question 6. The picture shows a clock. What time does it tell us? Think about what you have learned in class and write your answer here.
12:53
